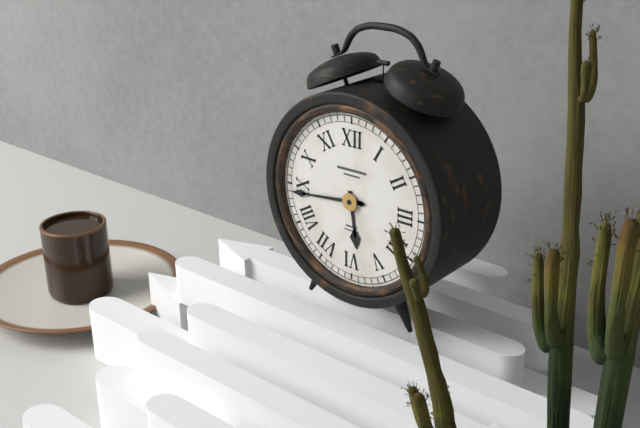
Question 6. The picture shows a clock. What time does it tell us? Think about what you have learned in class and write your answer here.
5:44
